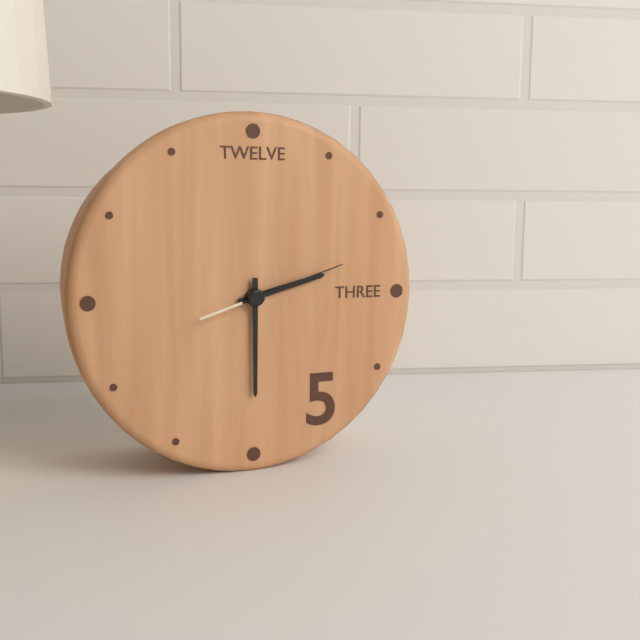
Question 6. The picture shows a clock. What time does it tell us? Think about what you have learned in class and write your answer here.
2:30:12
